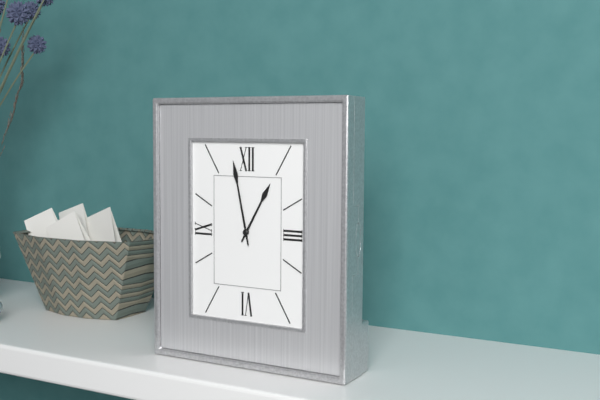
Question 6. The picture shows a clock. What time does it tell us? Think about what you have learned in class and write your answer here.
12:58
